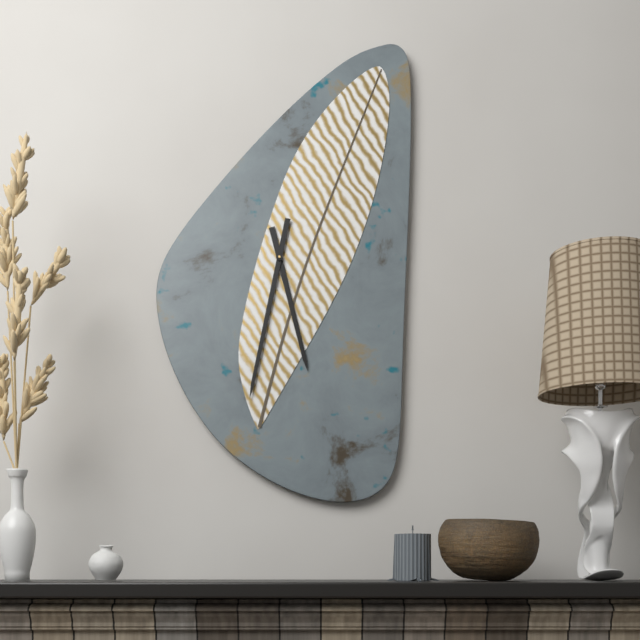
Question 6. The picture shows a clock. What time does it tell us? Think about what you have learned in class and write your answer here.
5:32
